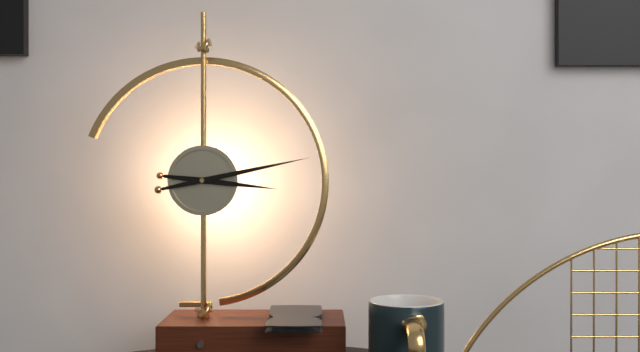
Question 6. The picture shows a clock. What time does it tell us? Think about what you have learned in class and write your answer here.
3:13
